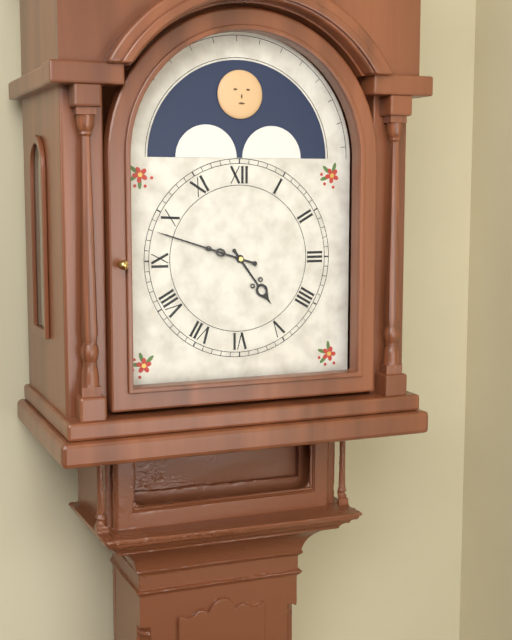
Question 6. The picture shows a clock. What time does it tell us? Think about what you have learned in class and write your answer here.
4:48
